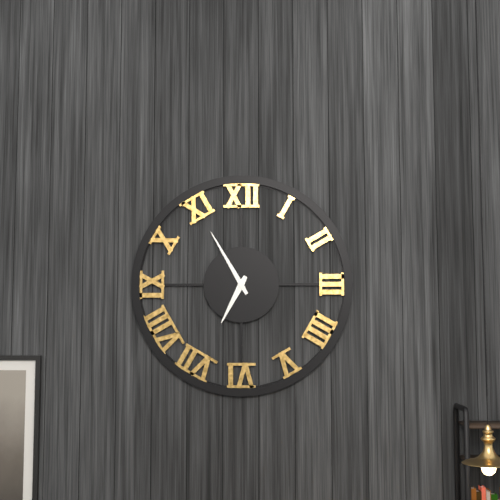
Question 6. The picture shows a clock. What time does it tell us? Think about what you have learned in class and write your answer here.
6:55
